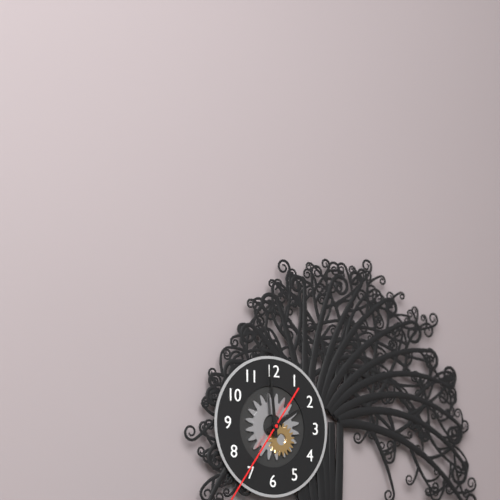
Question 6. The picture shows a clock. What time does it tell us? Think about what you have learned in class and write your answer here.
1:59
